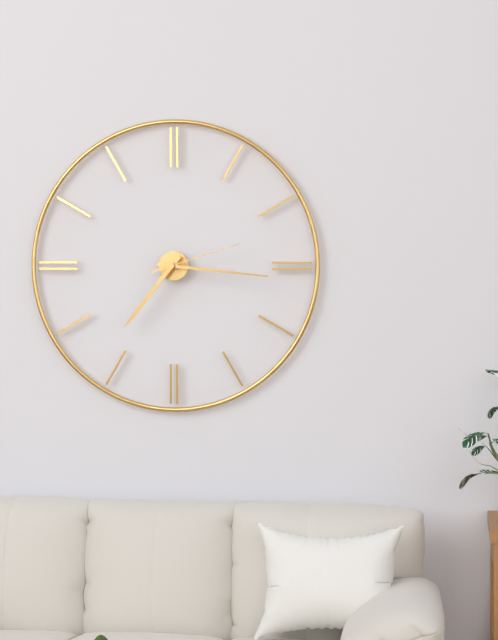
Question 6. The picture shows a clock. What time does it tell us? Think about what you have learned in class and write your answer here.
7:16:12
